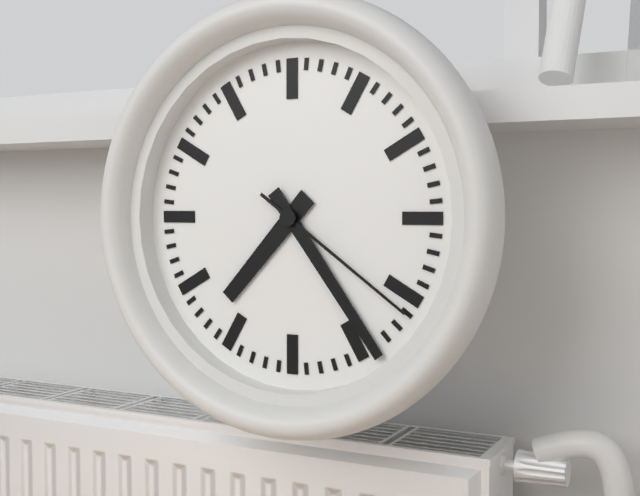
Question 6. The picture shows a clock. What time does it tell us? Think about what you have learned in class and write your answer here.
7:24:21
